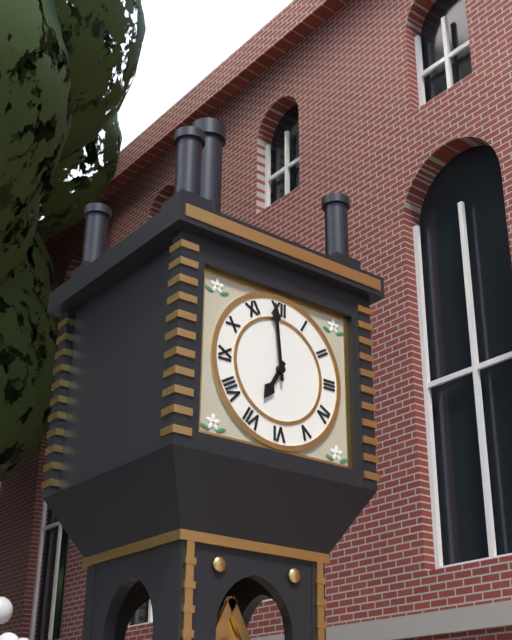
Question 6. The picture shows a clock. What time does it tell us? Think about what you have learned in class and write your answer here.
6:59
